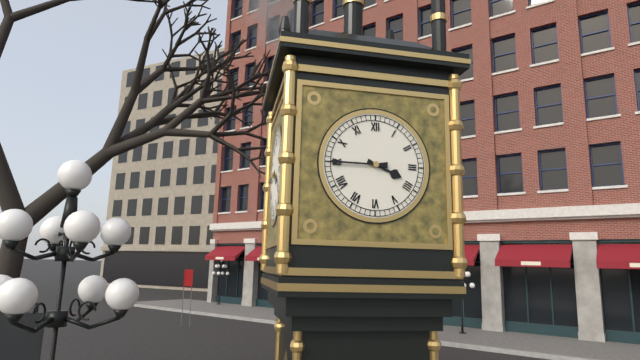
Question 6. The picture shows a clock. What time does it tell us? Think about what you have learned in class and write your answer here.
3:45
